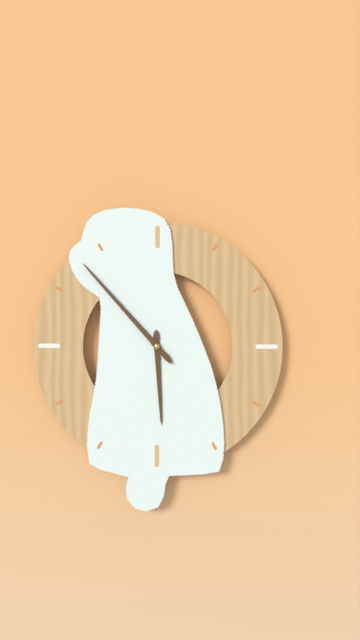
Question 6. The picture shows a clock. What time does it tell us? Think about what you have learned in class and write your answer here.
5:53
